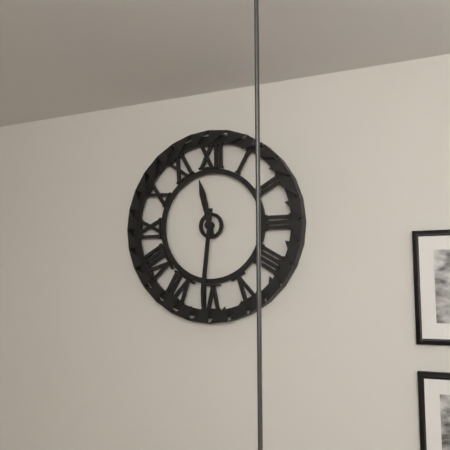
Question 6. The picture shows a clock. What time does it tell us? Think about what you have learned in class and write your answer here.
11:31
